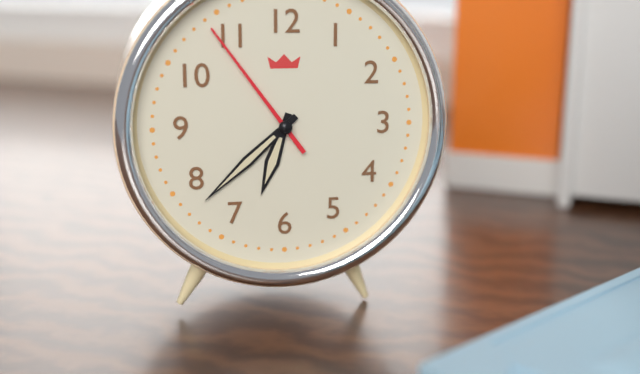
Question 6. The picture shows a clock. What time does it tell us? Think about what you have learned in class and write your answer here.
6:38:54
